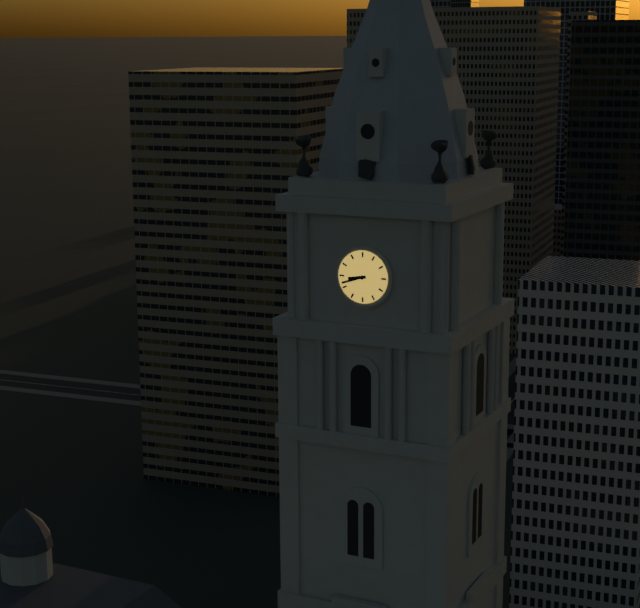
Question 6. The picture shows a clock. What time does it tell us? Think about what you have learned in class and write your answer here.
8:42
